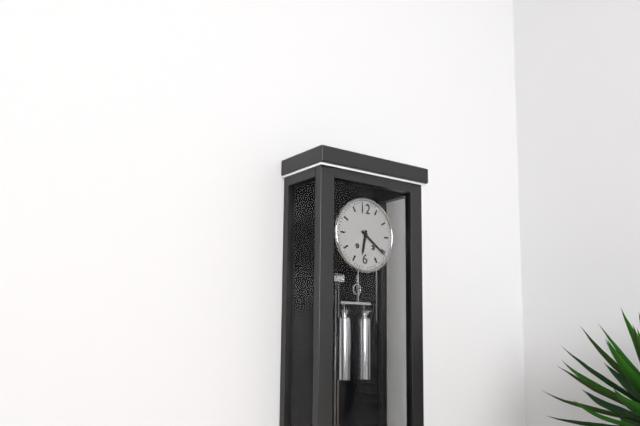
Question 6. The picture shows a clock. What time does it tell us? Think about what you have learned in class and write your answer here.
6:21
